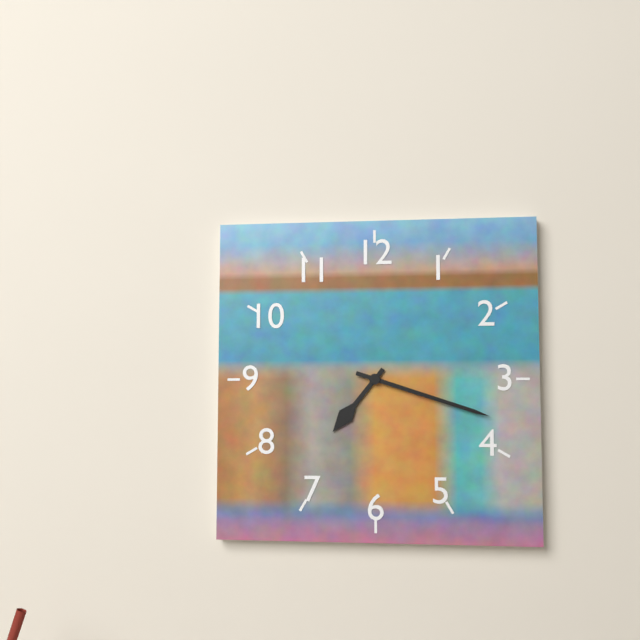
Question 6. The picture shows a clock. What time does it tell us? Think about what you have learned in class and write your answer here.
7:18
